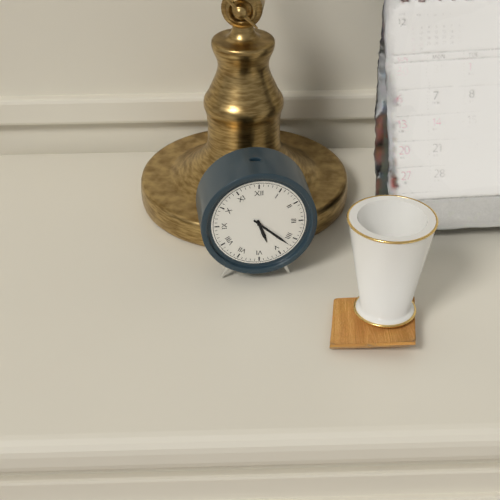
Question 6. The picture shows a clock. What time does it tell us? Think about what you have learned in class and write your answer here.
5:22
